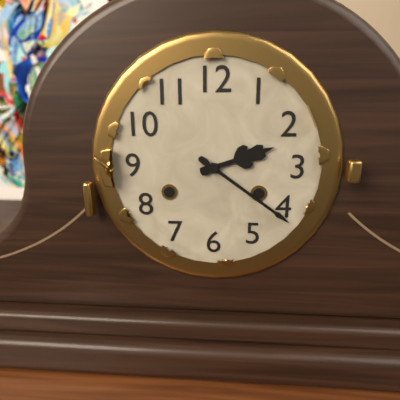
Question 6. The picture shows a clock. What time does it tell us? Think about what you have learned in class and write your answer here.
2:21
